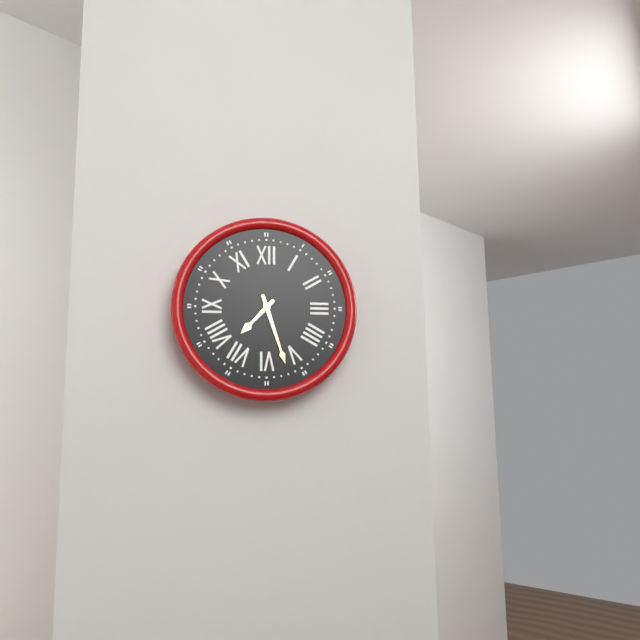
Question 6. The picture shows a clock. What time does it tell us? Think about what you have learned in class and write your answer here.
7:27
